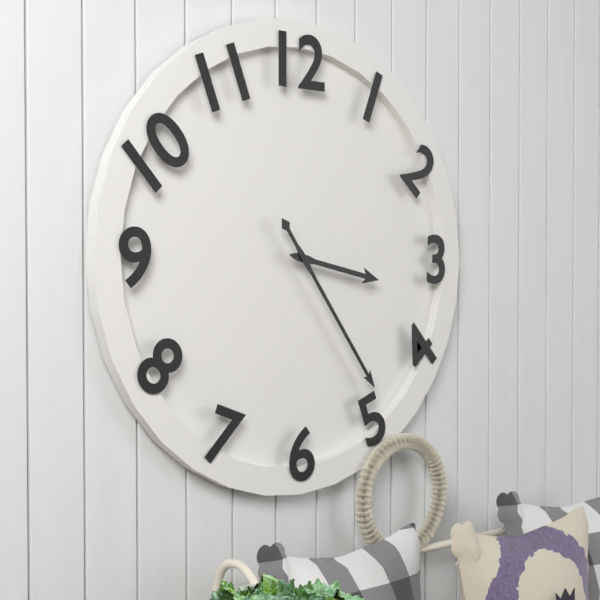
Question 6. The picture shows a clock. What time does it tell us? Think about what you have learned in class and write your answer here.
3:24
